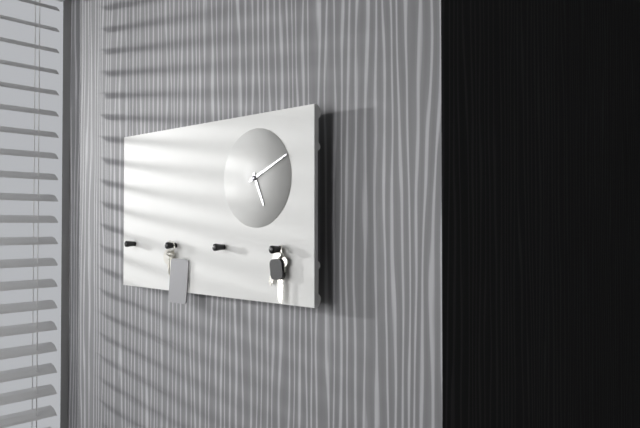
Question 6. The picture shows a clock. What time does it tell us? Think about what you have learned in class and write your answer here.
5:11
